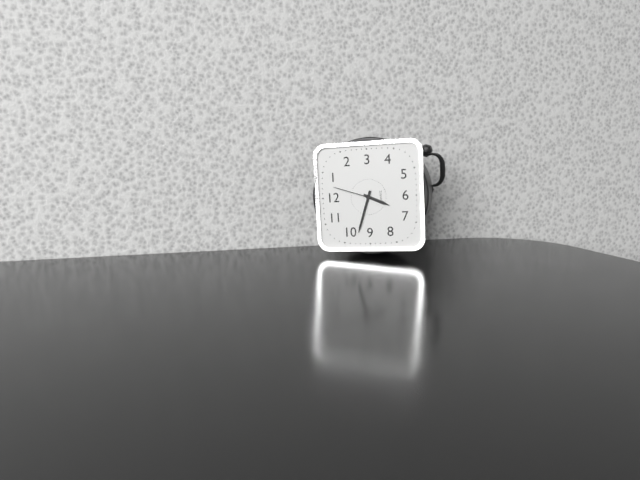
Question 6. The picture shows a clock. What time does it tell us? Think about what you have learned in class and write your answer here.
6:48
